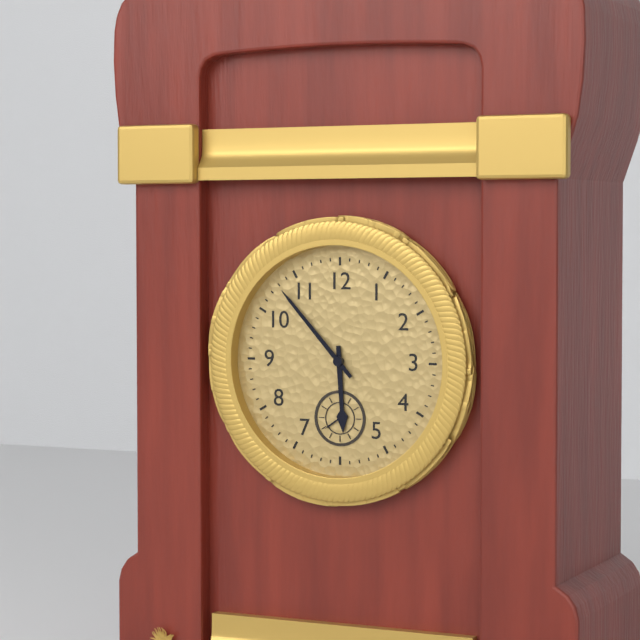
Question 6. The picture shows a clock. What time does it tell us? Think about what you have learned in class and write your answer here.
5:53
